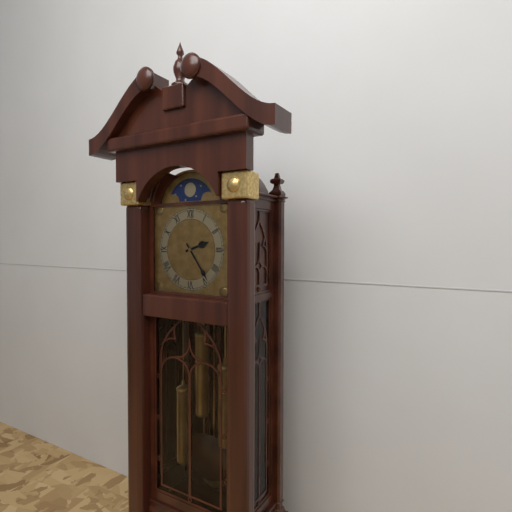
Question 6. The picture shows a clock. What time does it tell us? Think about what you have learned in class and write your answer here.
2:24
